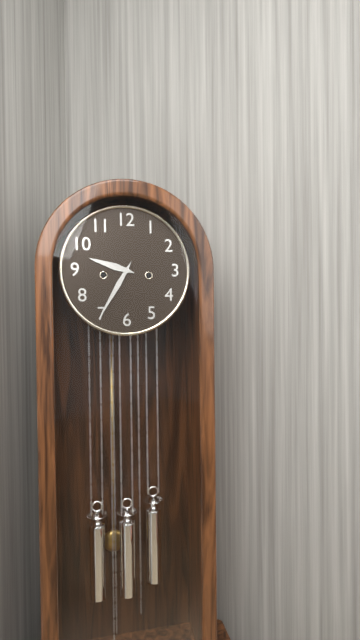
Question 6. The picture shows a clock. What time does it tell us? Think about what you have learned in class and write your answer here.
9:35
